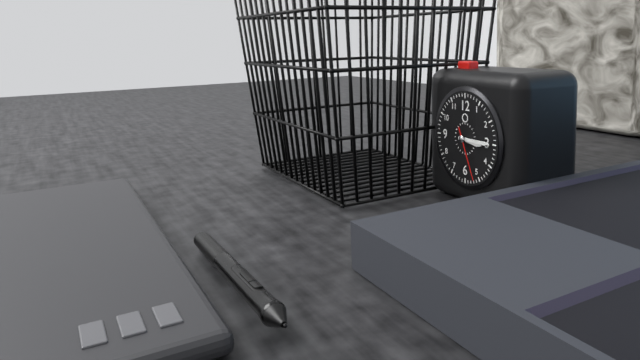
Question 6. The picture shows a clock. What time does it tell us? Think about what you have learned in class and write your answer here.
3:15:26
